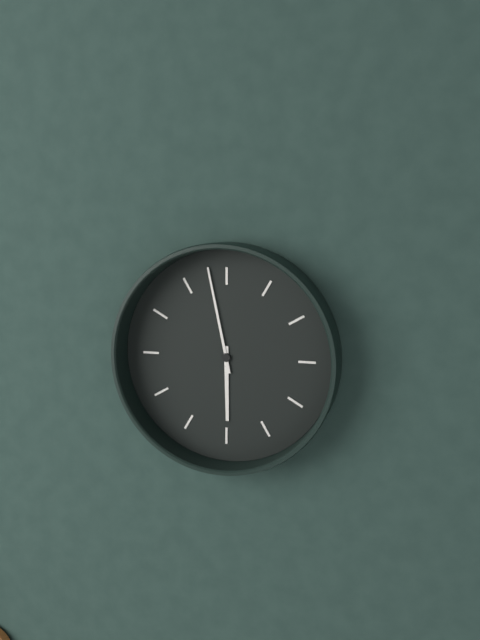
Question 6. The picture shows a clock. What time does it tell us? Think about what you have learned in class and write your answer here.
5:58
